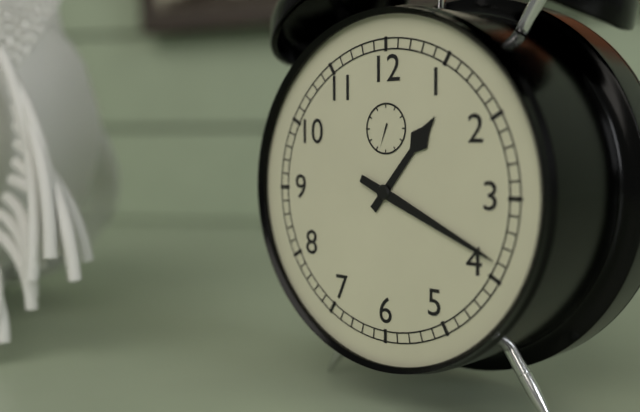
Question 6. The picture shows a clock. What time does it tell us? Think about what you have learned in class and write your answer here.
1:19
